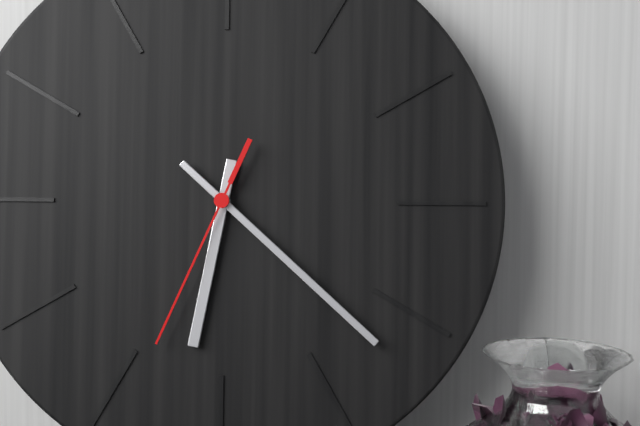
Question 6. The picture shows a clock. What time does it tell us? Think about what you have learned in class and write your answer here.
6:22:34
